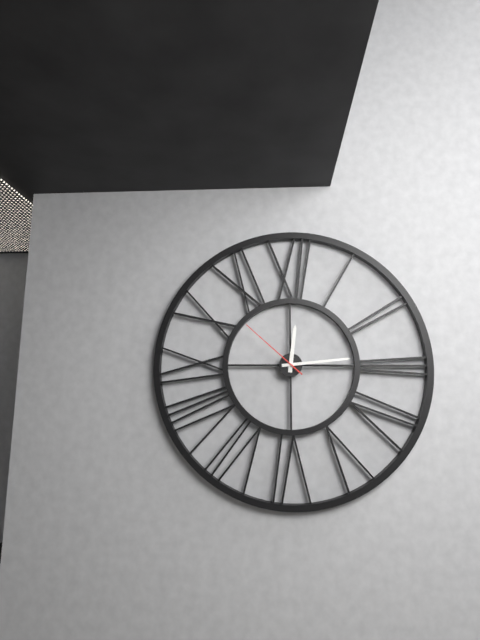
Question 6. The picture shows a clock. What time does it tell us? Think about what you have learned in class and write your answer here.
12:14:52
